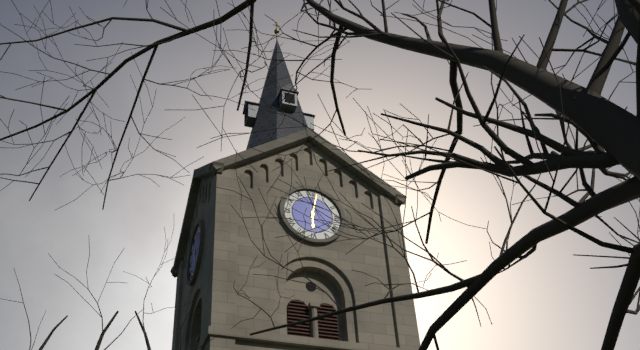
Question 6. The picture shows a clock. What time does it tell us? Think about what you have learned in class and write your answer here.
6:02
